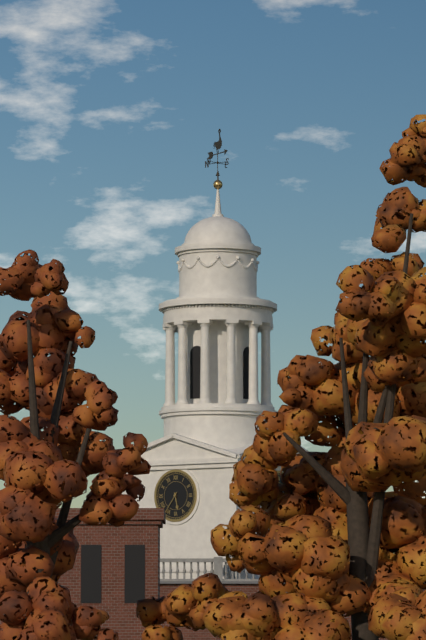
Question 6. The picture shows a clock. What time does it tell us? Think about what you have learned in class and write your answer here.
5:36
